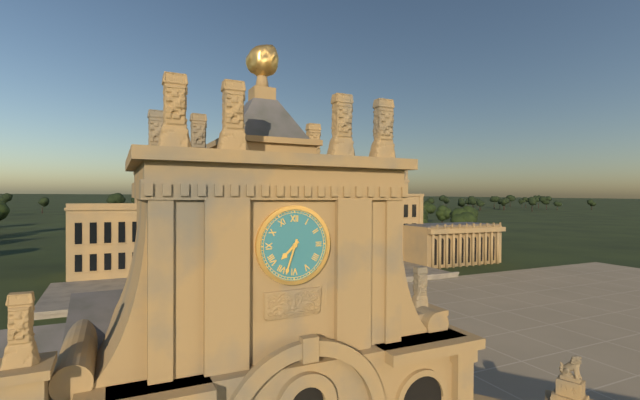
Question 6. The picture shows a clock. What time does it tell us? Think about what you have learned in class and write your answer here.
7:33
